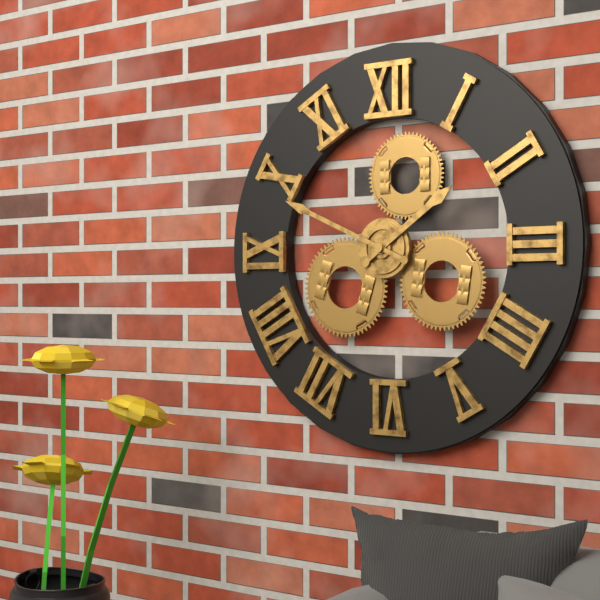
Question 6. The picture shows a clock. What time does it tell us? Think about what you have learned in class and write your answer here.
1:49
